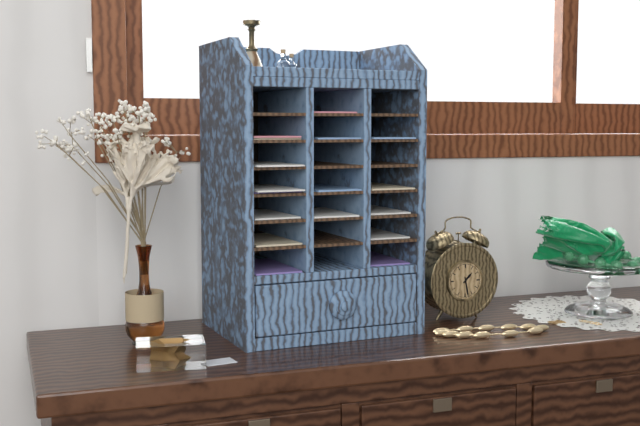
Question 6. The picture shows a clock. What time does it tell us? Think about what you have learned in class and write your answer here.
1:28
